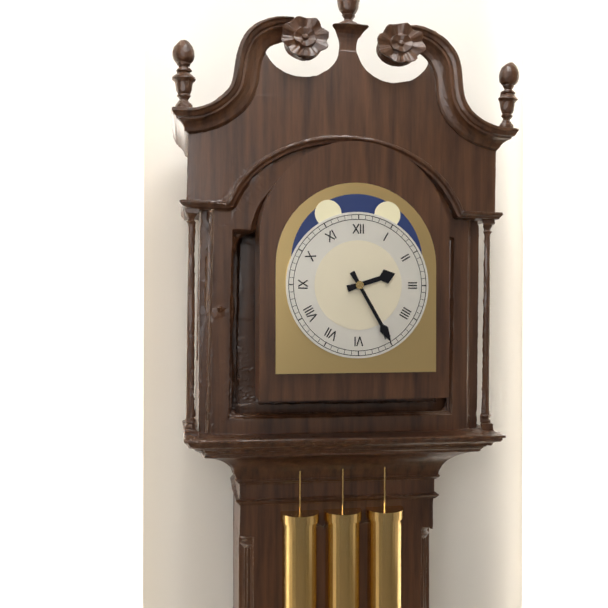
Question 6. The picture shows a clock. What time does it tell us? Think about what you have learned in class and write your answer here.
2:25
